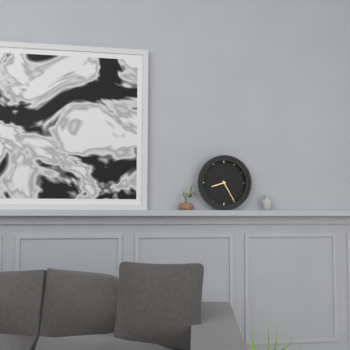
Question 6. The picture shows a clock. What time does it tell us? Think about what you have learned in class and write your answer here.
8:25
